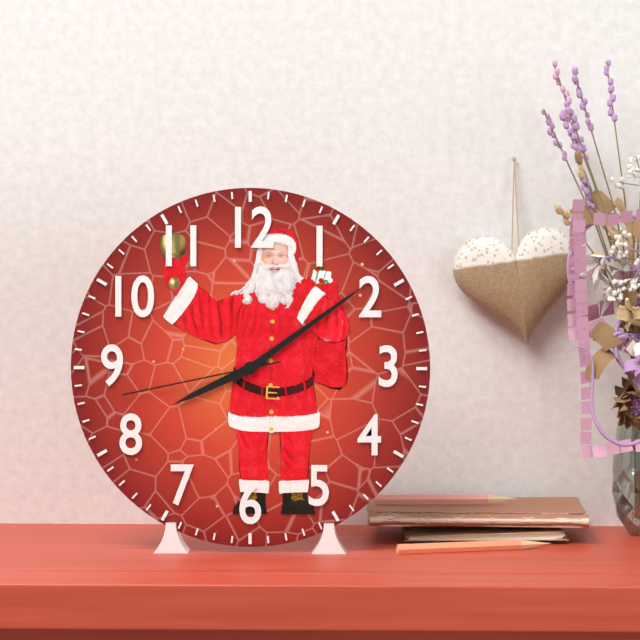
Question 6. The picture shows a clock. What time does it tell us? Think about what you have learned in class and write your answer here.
8:09:43
